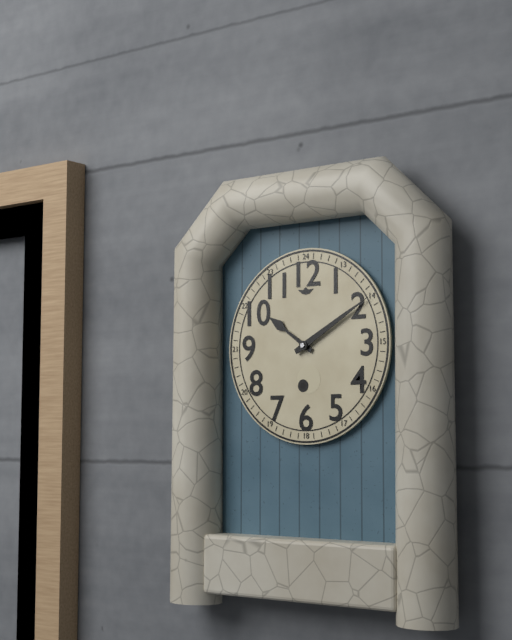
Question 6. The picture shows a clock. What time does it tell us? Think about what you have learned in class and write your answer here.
10:10
